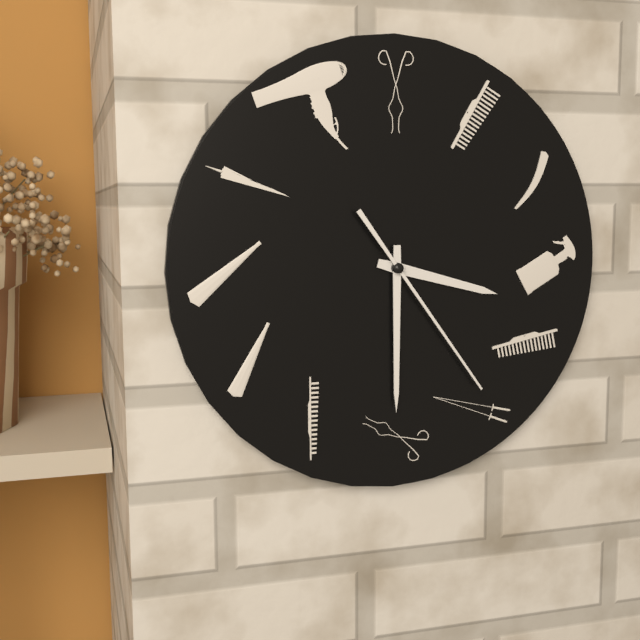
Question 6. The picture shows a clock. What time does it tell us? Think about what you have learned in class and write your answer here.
3:30:24
